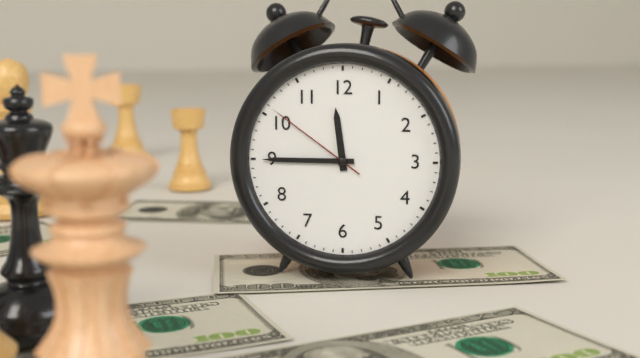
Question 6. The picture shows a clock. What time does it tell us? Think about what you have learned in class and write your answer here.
11:45:51
